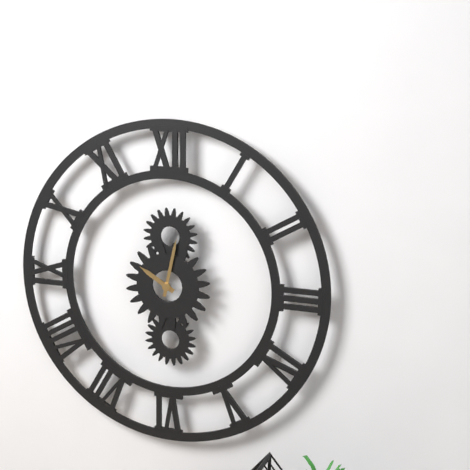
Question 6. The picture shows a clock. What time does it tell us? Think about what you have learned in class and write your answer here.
10:02
